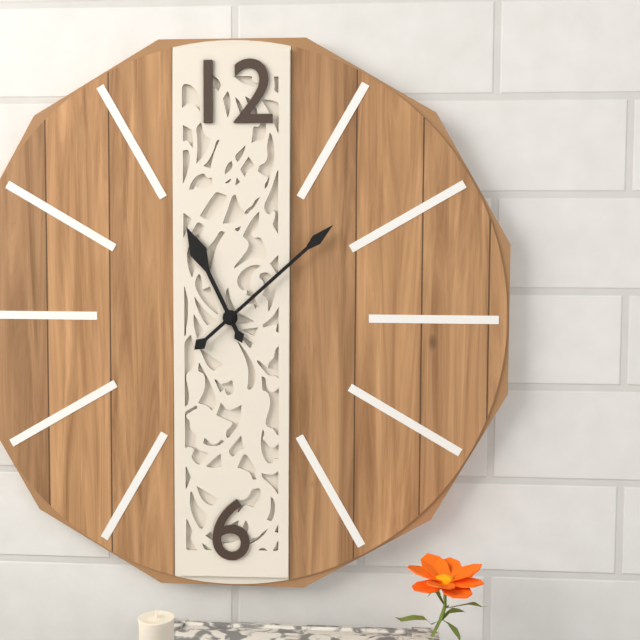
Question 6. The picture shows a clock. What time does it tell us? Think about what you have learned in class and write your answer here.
11:08
